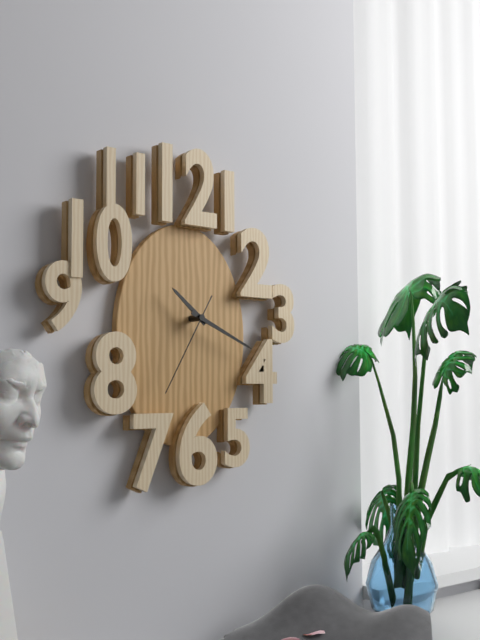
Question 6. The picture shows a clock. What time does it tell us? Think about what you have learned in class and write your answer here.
10:19:35
